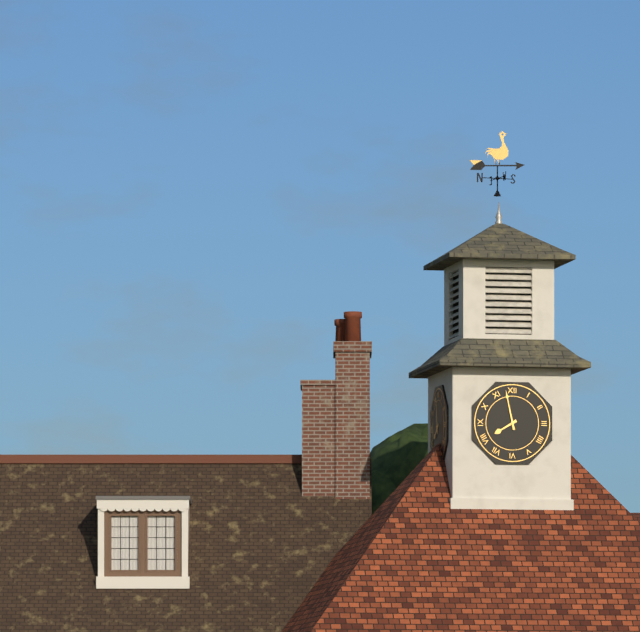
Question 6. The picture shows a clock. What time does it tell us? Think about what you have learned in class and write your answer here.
7:58
